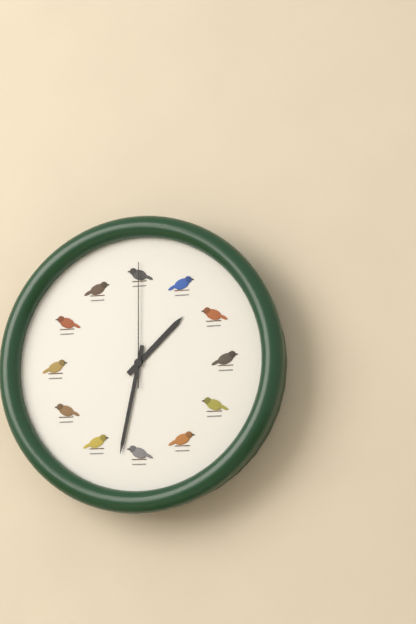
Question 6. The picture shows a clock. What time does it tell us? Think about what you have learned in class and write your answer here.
1:32:00
